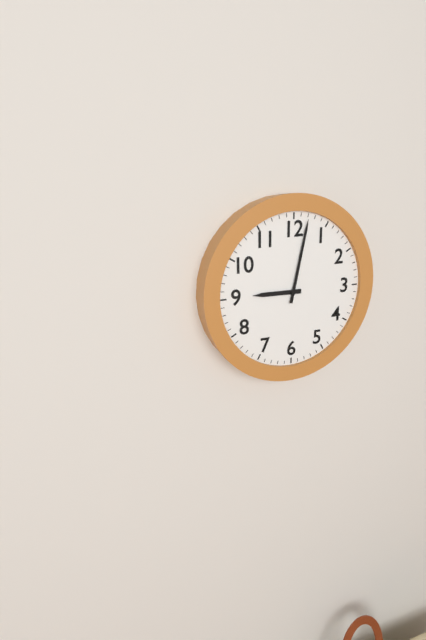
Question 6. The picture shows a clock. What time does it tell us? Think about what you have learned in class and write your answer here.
9:02
